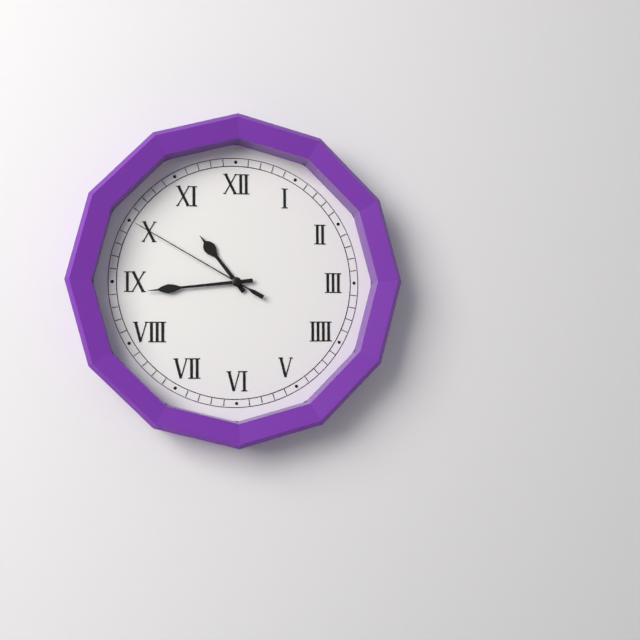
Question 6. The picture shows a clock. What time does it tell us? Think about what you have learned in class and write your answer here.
10:44:50
